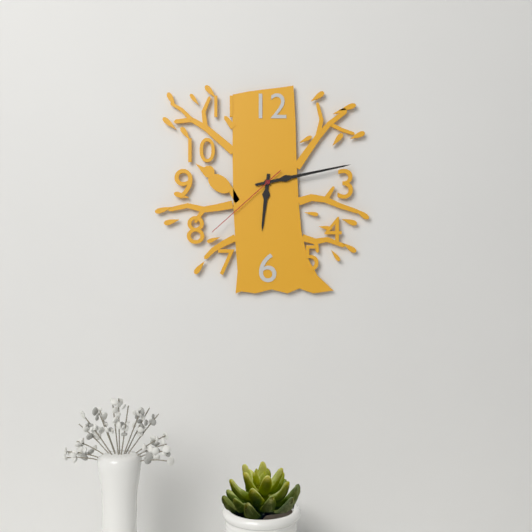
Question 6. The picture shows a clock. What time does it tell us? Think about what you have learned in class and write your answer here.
6:13:38
